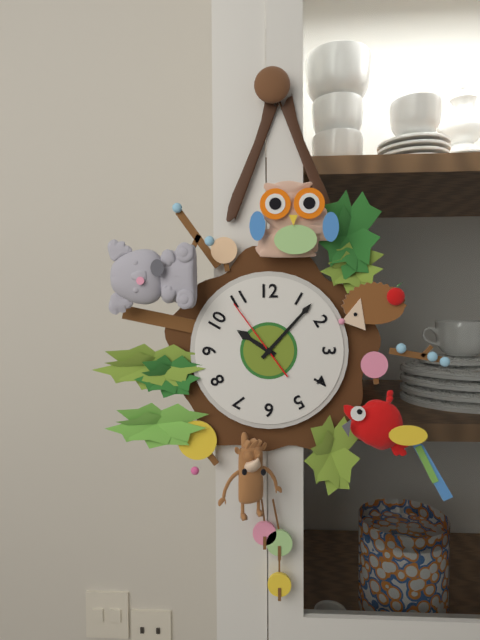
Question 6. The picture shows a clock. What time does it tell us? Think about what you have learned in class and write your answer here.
10:07:54
